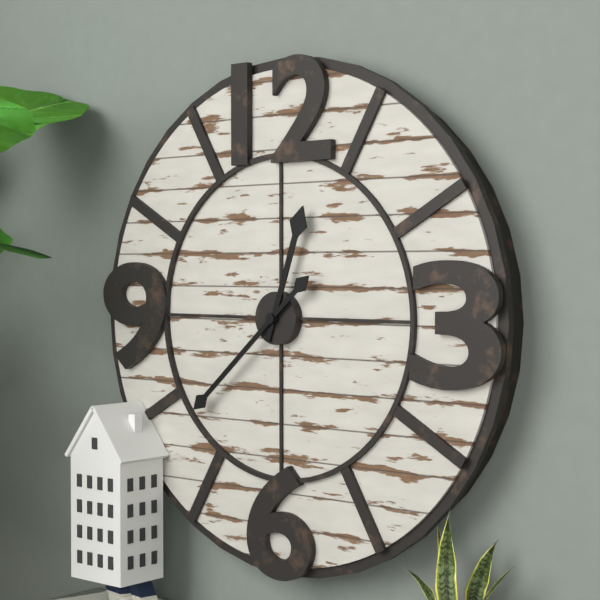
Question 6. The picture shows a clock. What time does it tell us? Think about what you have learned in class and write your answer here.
12:38
